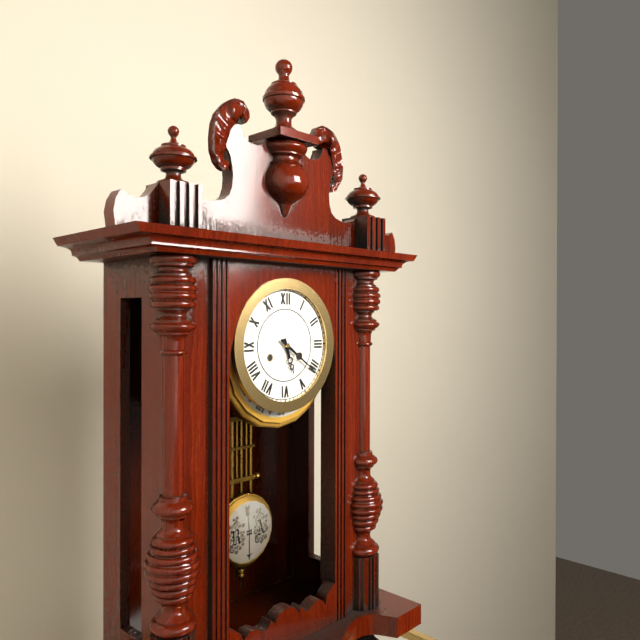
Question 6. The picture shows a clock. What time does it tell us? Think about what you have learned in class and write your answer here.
5:21
